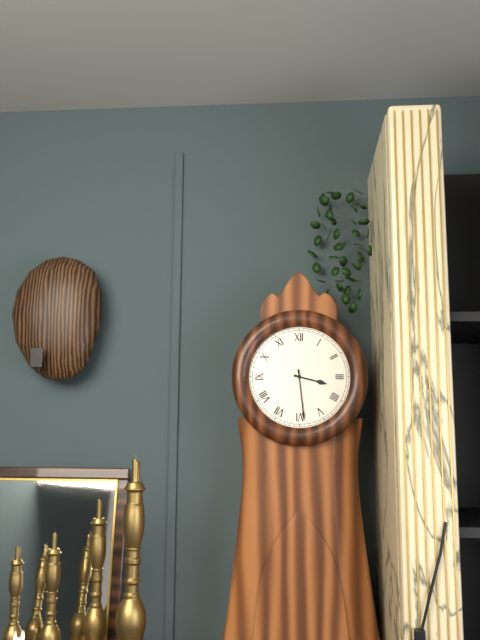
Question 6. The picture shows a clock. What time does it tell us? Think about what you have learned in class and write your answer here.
3:29
